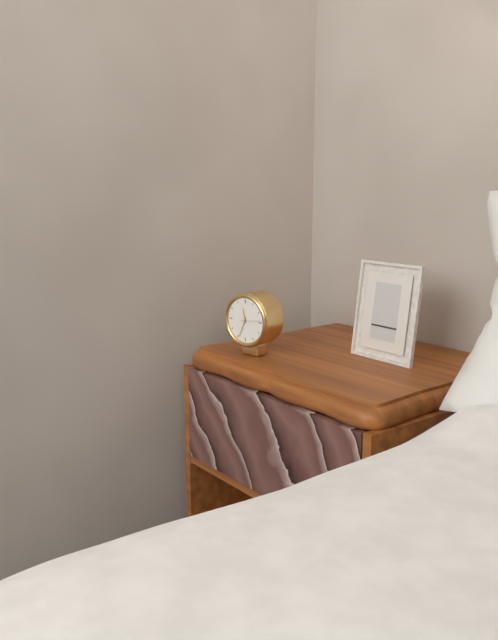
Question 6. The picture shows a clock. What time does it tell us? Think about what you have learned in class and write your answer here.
11:34
